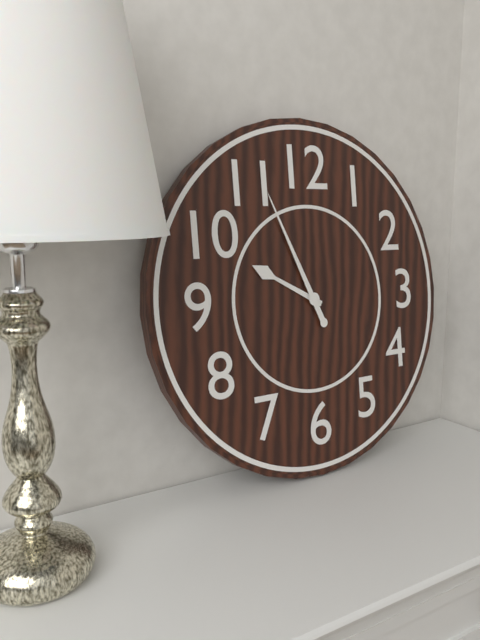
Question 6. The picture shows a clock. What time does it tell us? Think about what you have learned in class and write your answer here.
9:56
